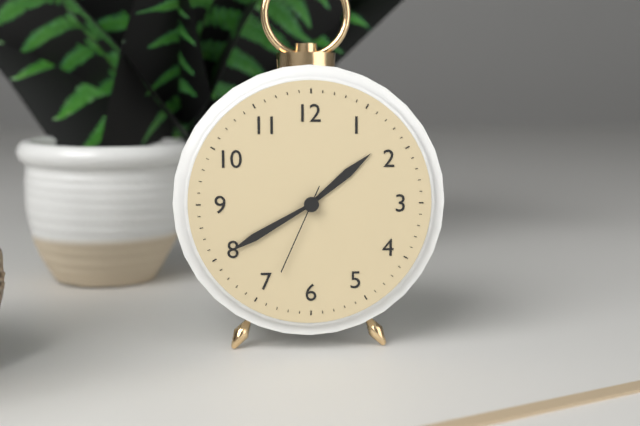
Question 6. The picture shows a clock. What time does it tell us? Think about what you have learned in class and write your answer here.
1:40:34
